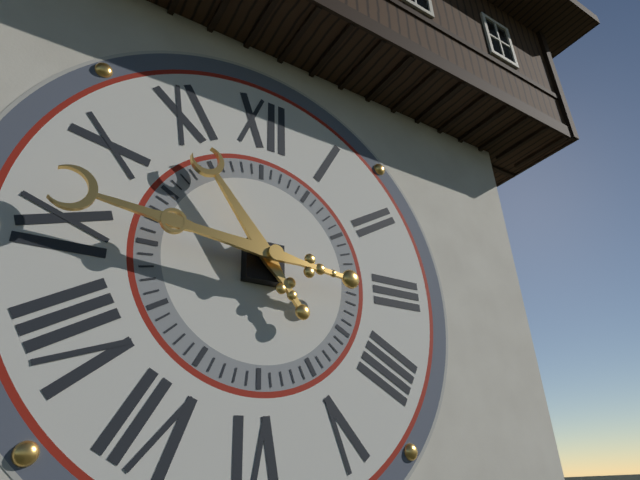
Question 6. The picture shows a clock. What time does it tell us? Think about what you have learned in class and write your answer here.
10:46
